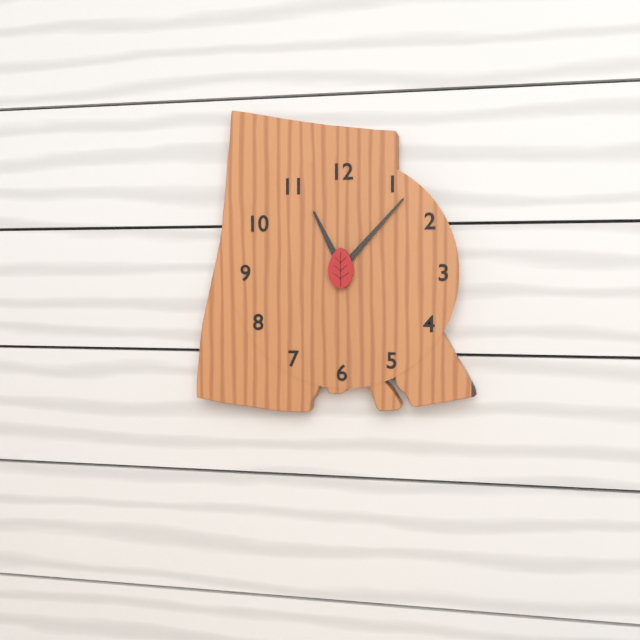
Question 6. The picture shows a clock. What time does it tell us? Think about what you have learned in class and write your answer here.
11:07
